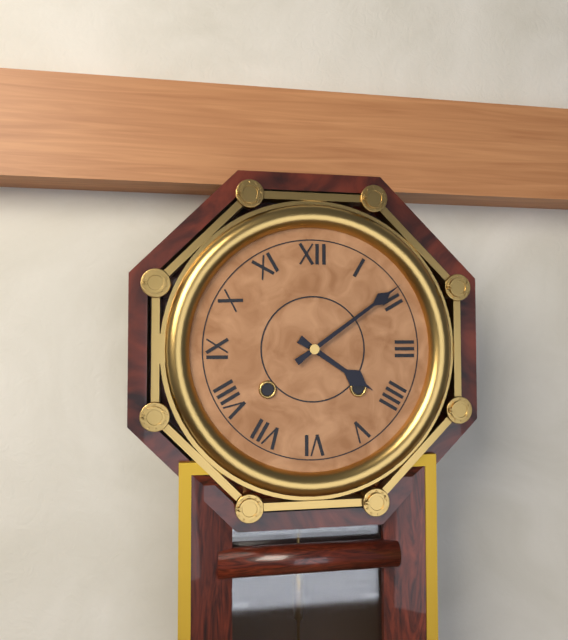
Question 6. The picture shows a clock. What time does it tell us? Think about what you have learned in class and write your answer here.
4:09
